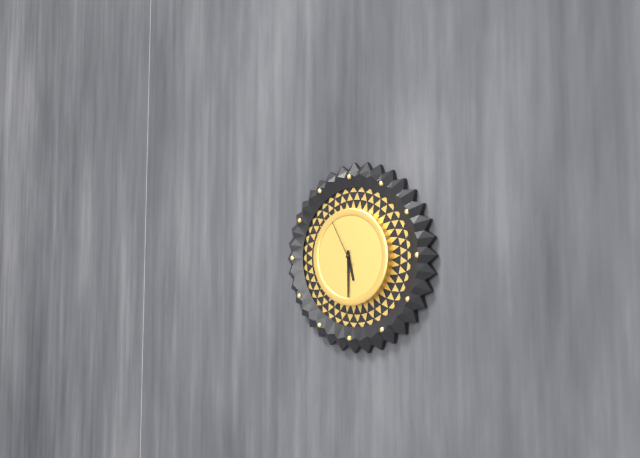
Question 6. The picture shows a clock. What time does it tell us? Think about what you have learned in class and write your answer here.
5:30:55
